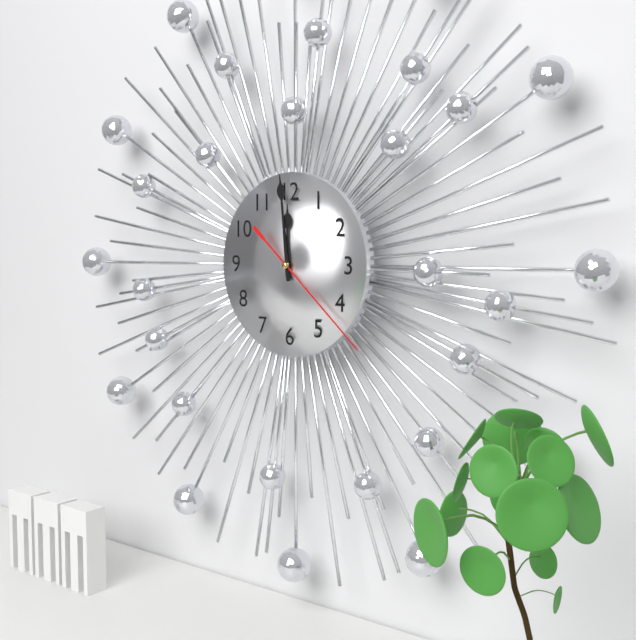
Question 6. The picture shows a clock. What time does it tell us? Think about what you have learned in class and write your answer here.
11:59:22
